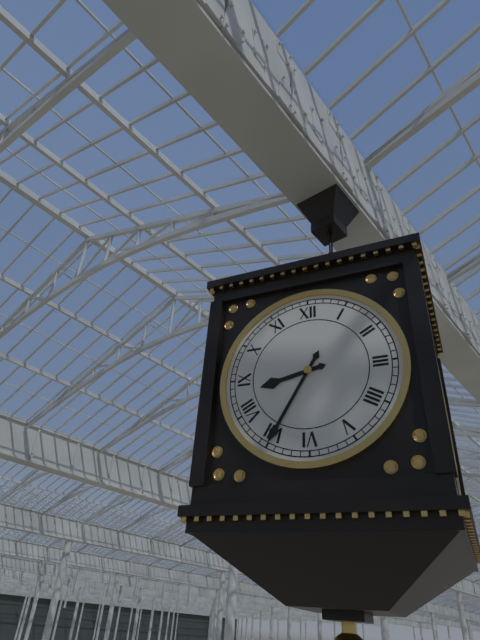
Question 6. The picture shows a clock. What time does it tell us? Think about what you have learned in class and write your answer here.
8:35
